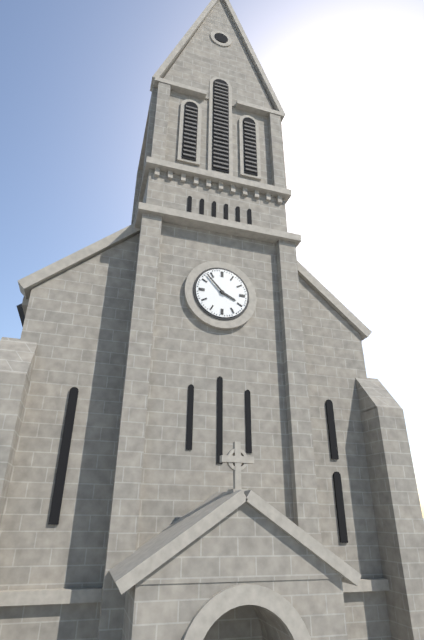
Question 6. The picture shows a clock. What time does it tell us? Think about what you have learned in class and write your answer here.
3:53
